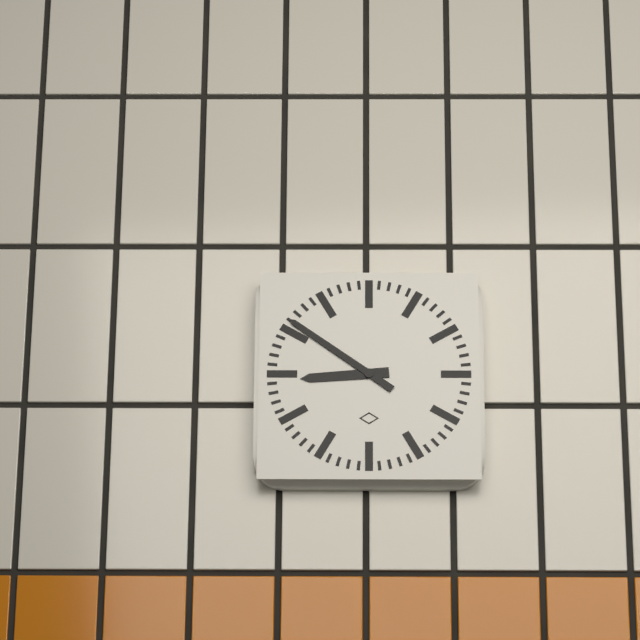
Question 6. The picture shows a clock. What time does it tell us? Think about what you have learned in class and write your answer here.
8:51
